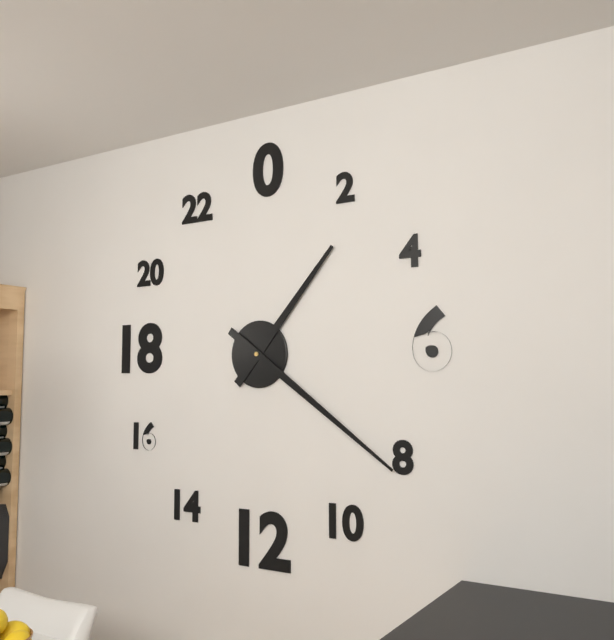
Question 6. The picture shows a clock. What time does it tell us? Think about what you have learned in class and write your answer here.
1:21
